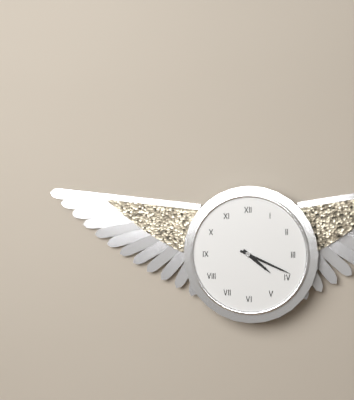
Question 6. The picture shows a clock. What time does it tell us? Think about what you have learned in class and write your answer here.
4:19
